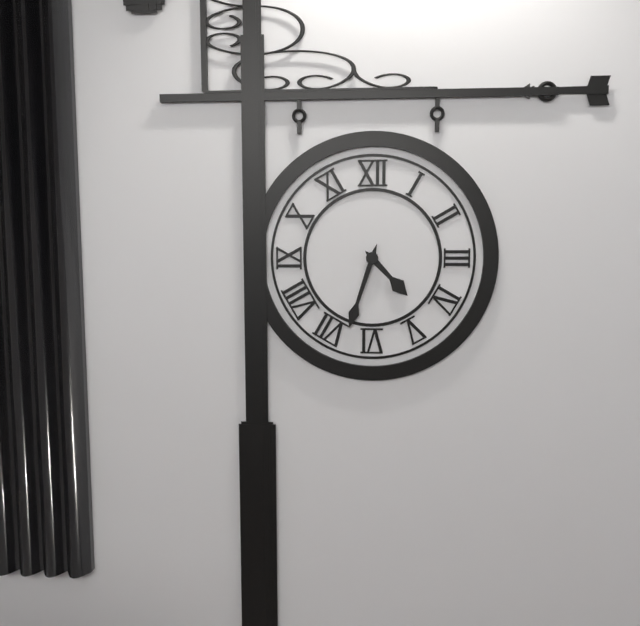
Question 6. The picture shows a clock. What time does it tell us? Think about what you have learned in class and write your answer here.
4:33
